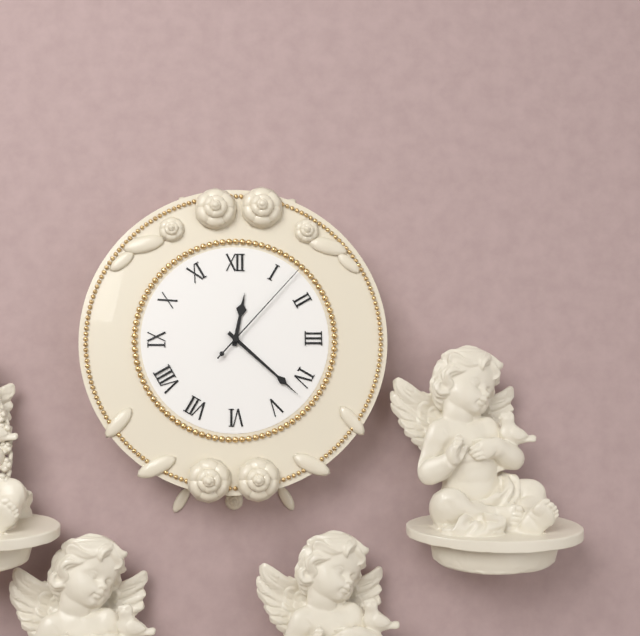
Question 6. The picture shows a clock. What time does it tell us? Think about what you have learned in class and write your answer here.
12:22:07
